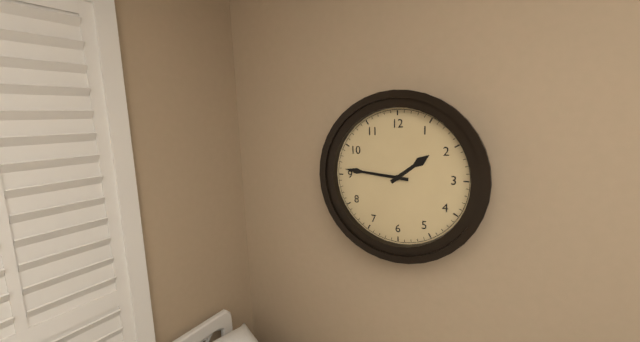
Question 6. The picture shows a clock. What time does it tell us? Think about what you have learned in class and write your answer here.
1:46
